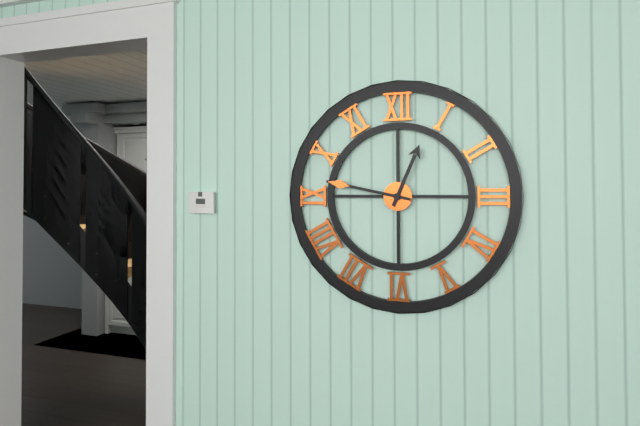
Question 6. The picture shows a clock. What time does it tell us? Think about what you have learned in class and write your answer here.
12:47
